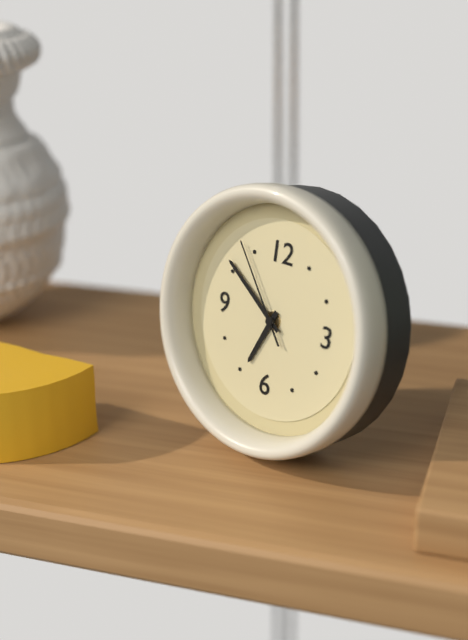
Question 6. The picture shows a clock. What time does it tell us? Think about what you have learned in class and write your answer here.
6:51:54
